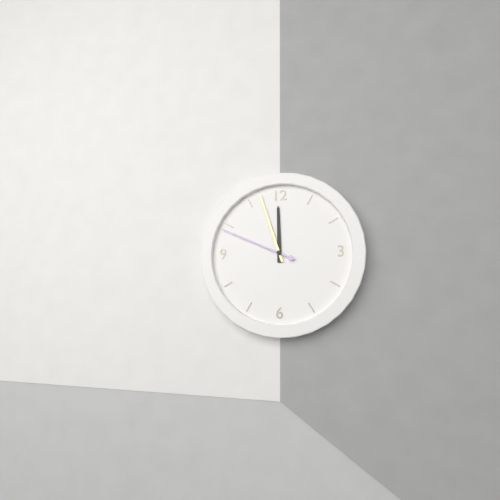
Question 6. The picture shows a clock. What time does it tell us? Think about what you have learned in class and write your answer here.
11:57:49
